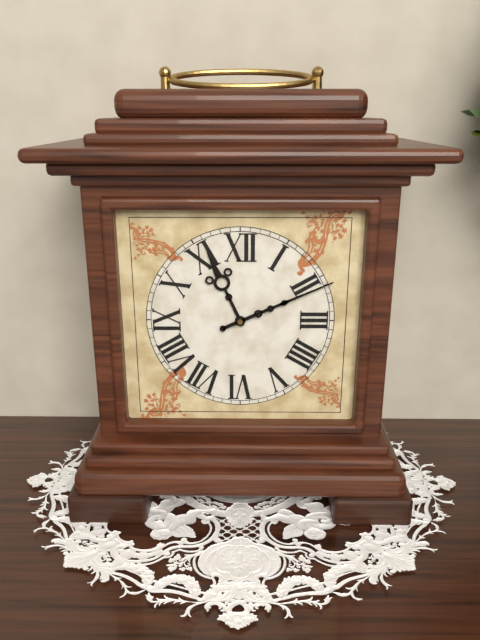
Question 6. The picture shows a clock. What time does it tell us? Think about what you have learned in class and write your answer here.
11:11
